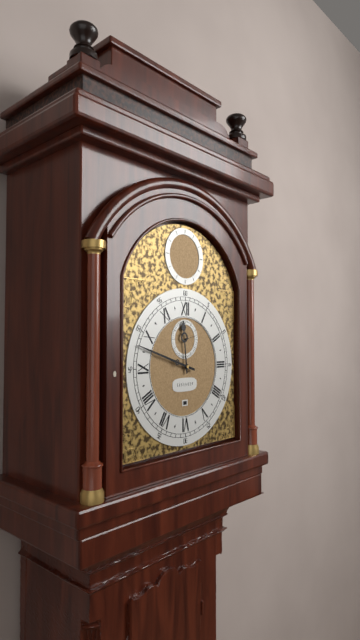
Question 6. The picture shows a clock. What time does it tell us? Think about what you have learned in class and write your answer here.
11:48
